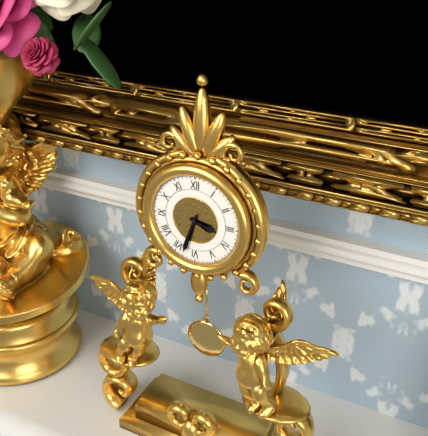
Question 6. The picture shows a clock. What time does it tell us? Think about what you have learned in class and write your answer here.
3:33
